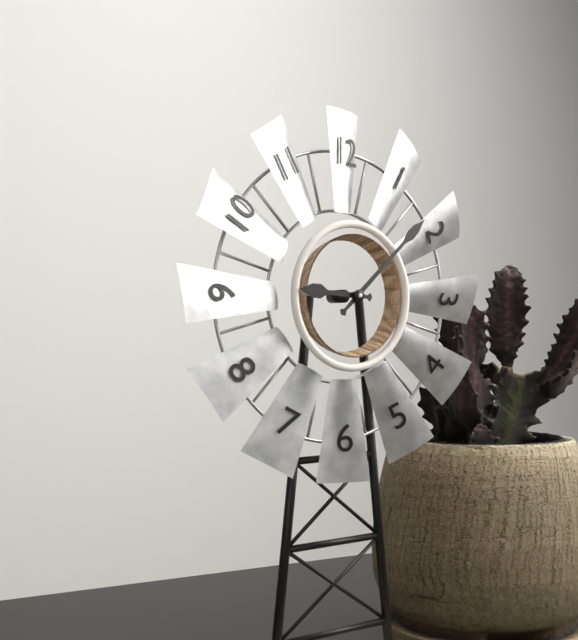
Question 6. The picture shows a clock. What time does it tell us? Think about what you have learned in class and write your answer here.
9:08
